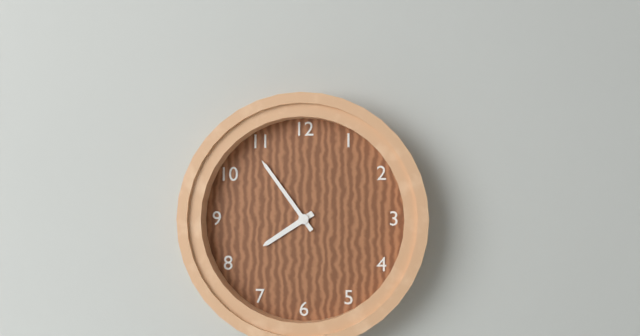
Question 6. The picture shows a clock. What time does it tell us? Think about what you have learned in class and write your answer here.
7:54
